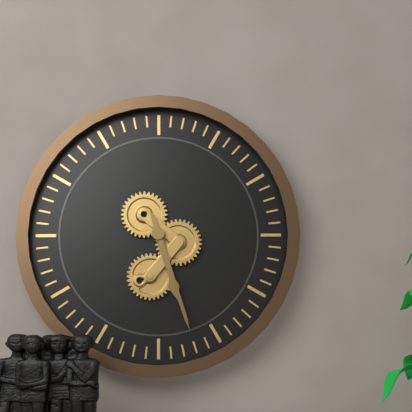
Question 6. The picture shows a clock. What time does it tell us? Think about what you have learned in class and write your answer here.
5:27
